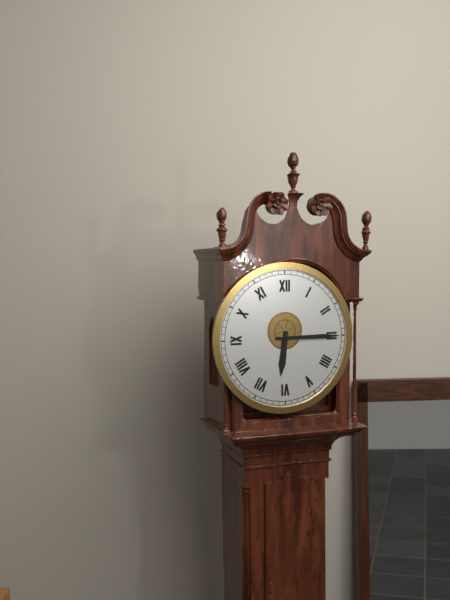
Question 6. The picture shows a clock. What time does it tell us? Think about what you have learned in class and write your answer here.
6:15
